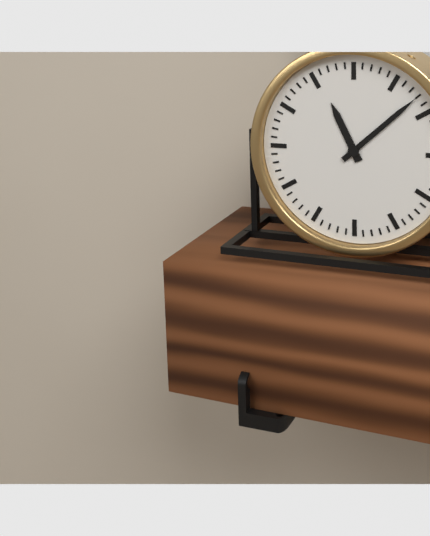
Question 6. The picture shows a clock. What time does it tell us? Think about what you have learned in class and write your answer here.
11:08
